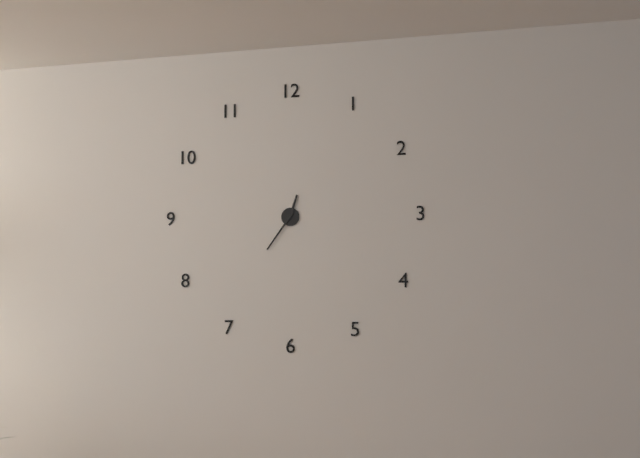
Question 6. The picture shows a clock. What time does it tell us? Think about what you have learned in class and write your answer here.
12:36
